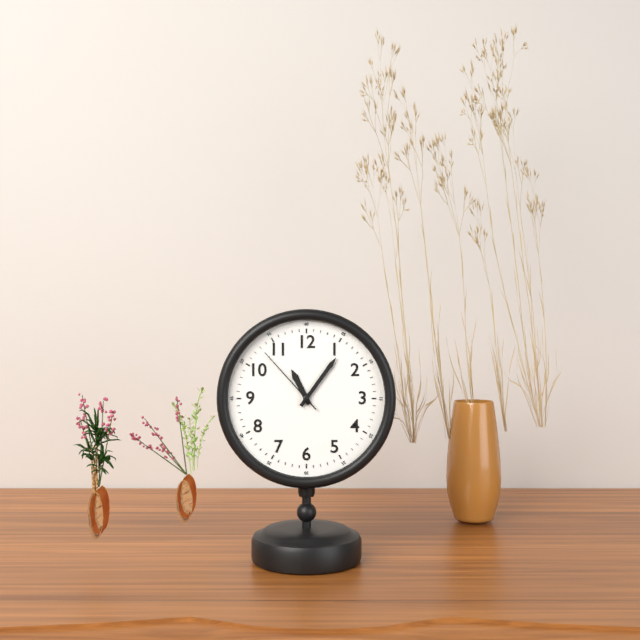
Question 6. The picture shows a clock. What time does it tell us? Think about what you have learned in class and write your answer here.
11:06:53
